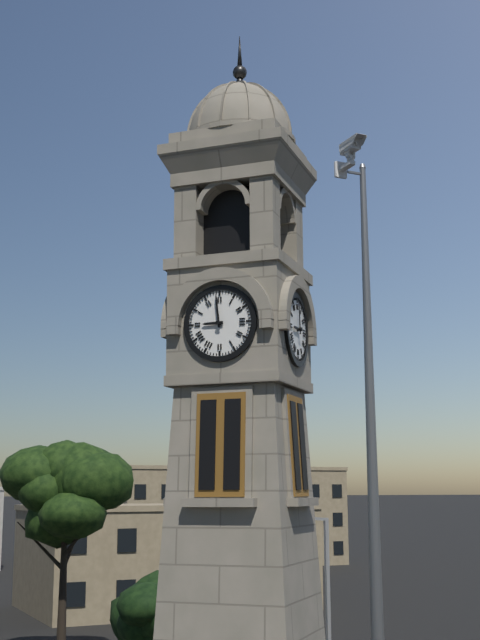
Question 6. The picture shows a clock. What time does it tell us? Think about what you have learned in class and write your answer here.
8:59
